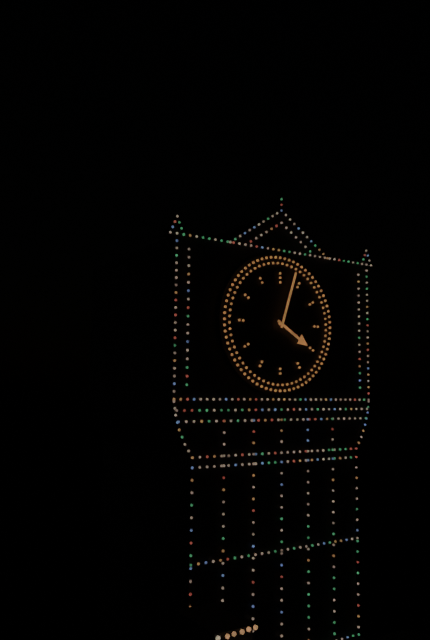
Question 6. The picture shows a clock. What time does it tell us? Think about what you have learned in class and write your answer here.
4:03
